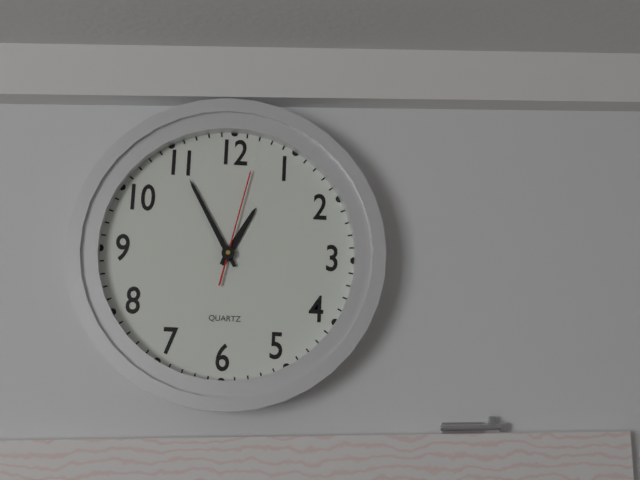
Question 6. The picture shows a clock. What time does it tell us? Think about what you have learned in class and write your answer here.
12:55:02
